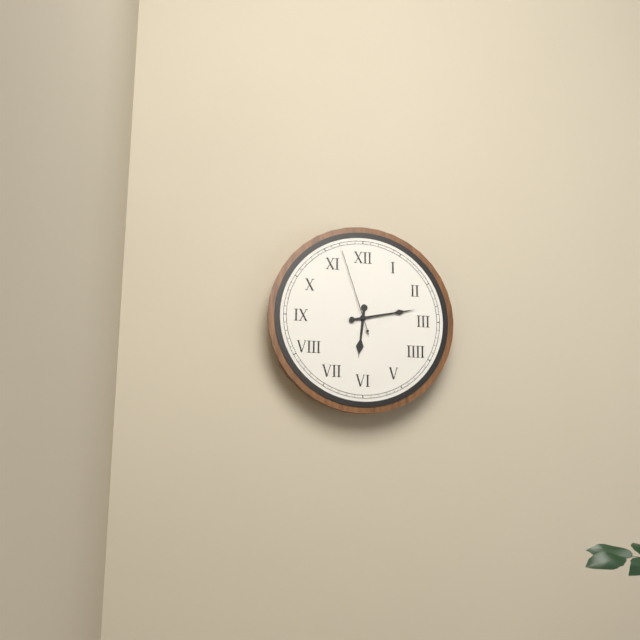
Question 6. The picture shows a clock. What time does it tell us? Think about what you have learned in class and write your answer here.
6:13:57
